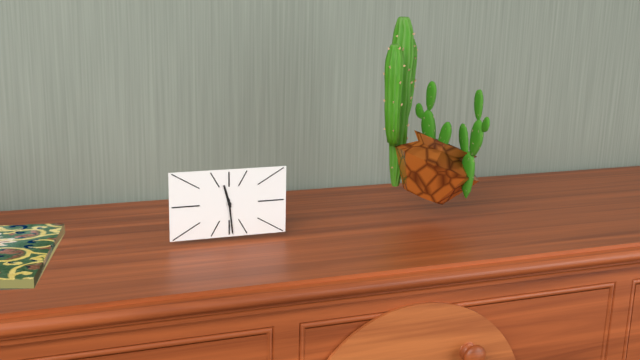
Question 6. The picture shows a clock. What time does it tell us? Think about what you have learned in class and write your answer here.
11:29
